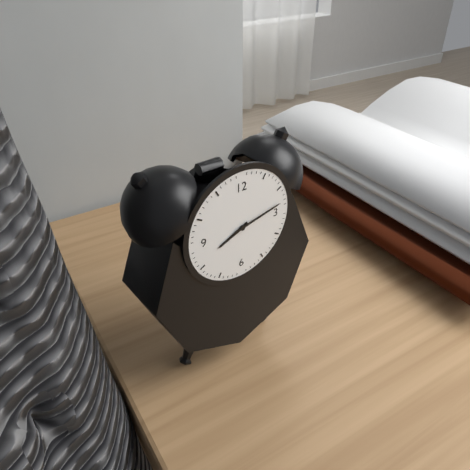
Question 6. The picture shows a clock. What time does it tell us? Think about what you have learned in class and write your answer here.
8:13
